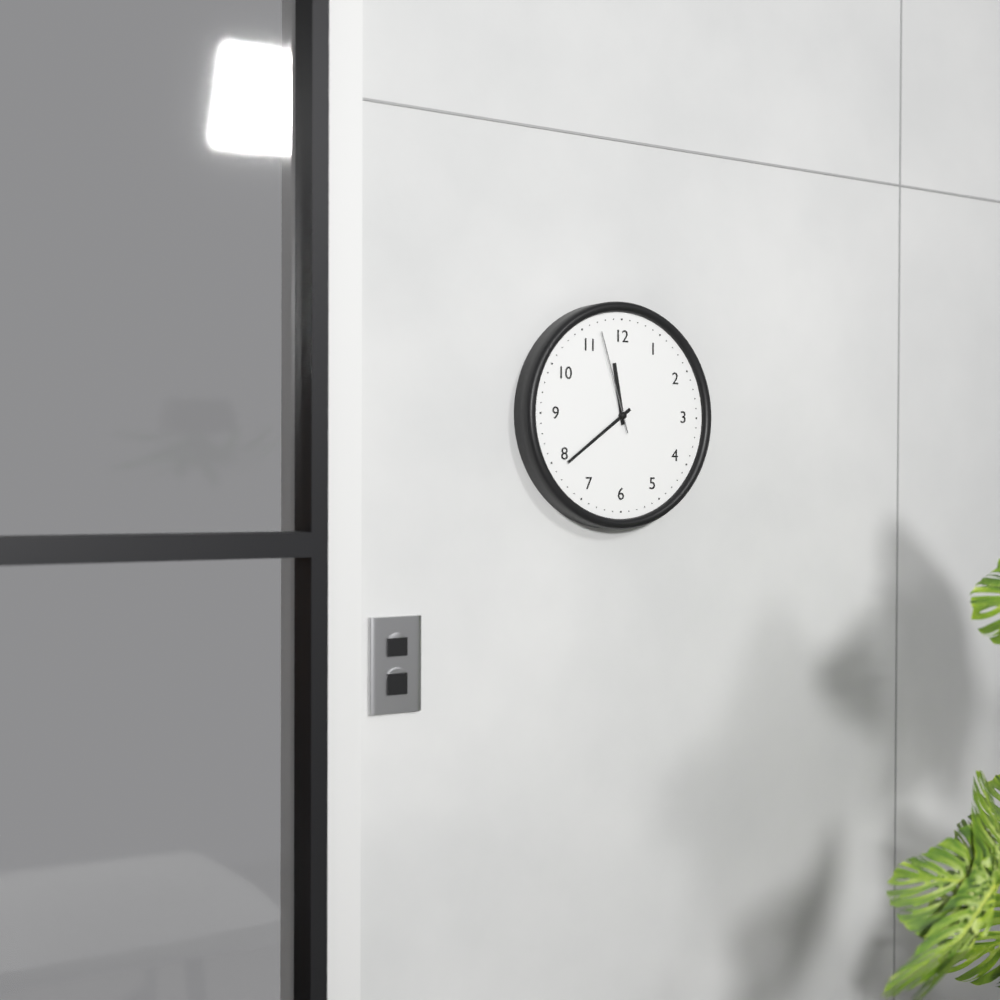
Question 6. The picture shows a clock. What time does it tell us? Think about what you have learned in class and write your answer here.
11:39:57
